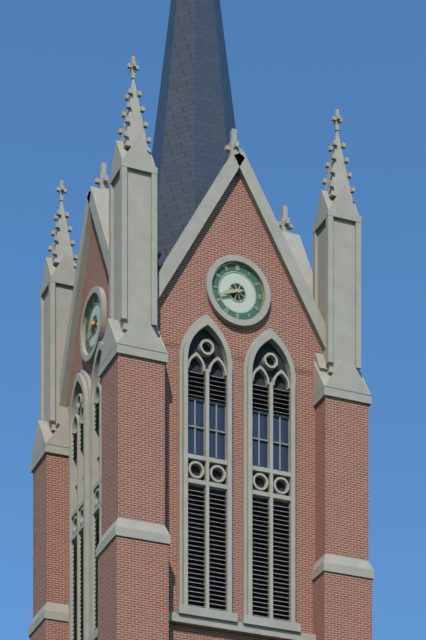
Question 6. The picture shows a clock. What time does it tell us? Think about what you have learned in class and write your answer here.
8:42
